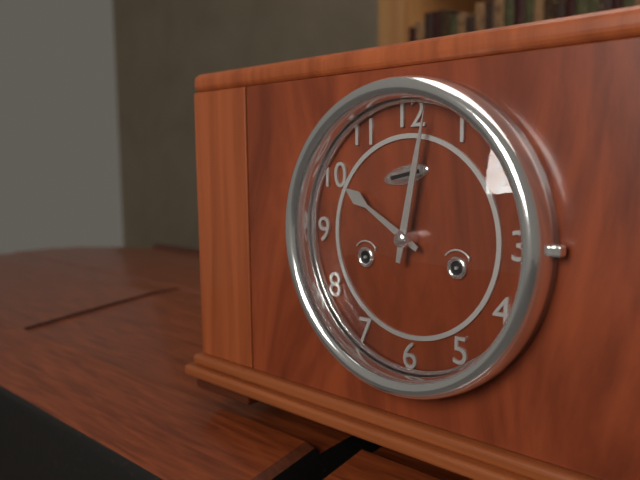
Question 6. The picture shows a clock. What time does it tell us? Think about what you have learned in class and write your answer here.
10:02
